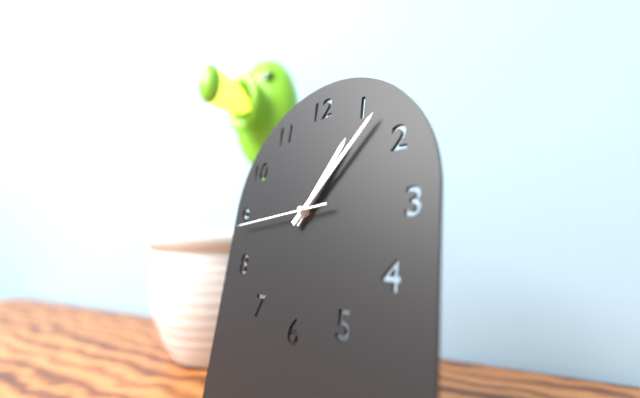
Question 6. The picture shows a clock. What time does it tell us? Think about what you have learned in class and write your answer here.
1:07:44
